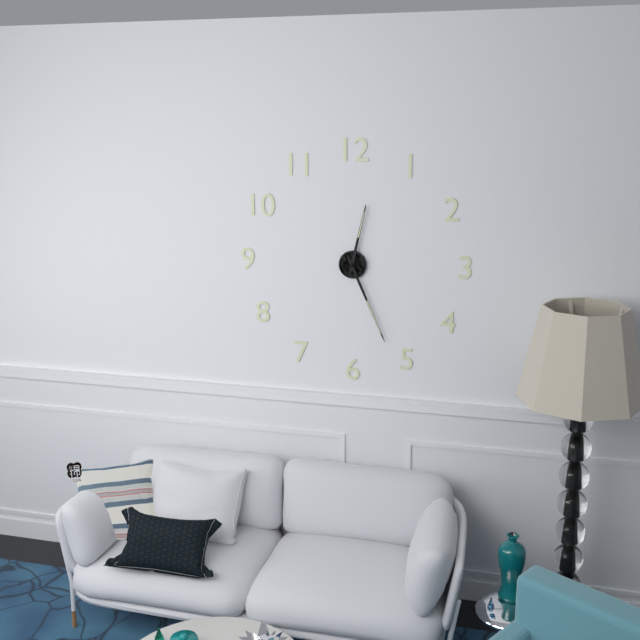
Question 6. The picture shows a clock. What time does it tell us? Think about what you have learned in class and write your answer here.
12:26
